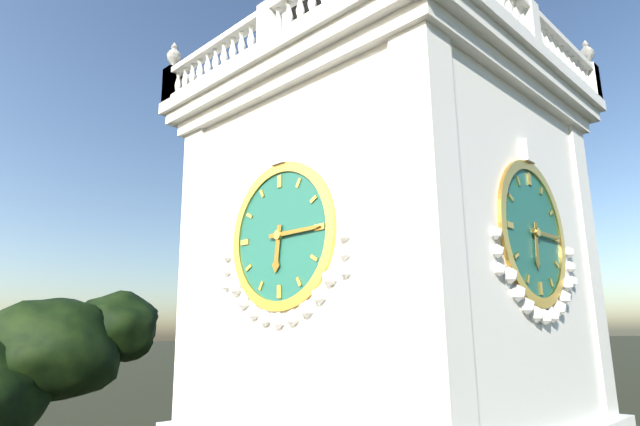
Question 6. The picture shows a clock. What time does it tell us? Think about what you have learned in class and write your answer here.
6:15
